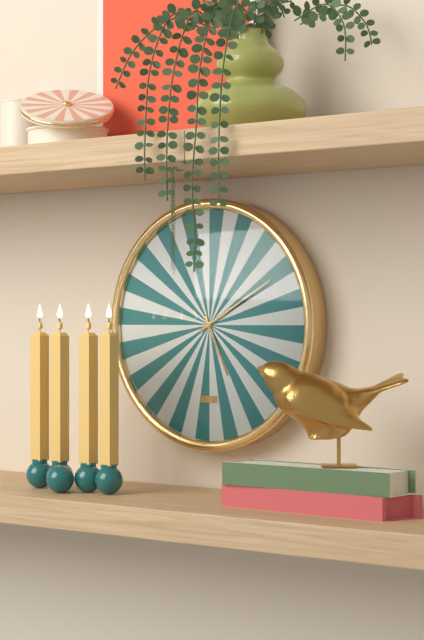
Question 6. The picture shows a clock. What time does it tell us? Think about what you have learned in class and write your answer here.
5:10
